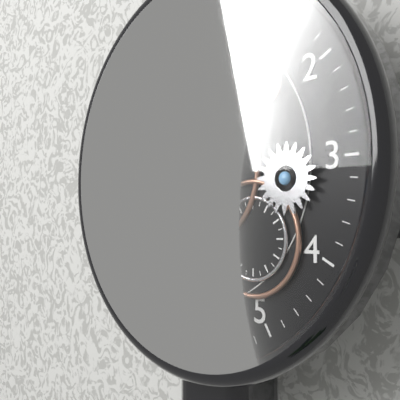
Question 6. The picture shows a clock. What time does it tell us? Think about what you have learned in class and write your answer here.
6:01
